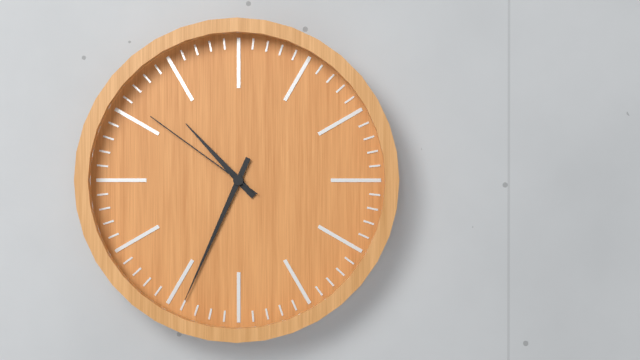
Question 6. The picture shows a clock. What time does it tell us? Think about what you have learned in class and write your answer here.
10:34:51
